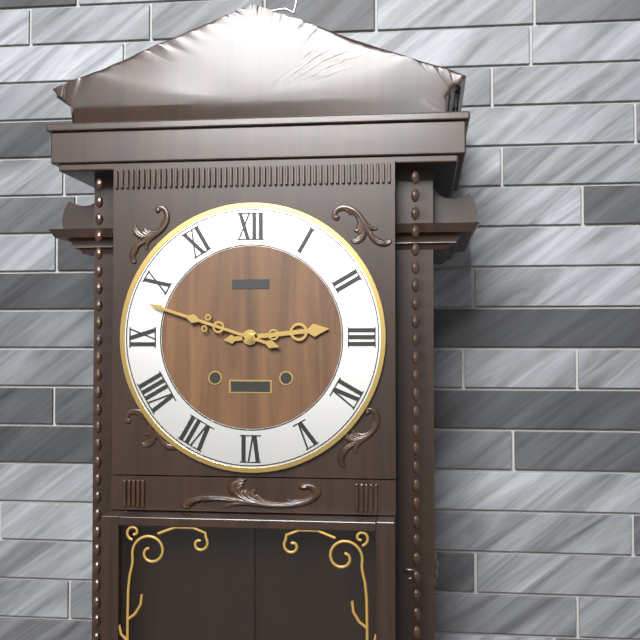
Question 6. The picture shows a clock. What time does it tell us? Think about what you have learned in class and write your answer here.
2:48
